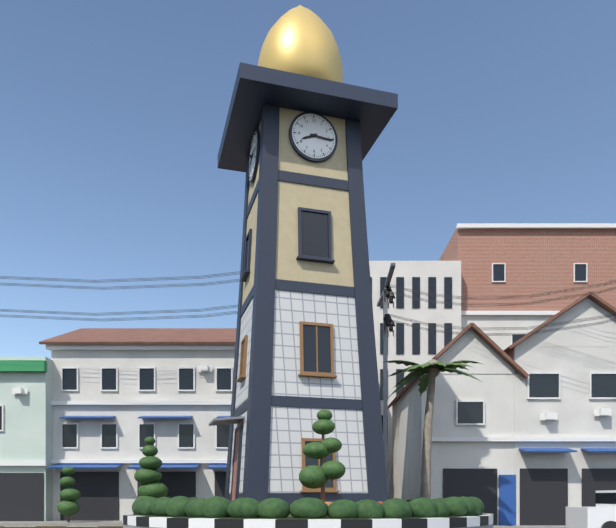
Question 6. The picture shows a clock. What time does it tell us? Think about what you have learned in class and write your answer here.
8:16
